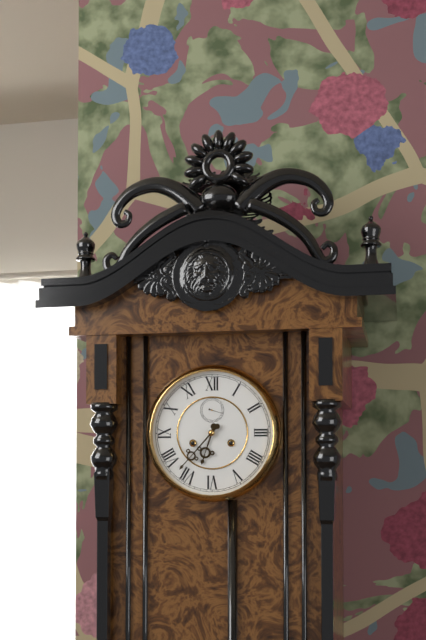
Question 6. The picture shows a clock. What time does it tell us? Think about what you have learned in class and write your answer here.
6:37
